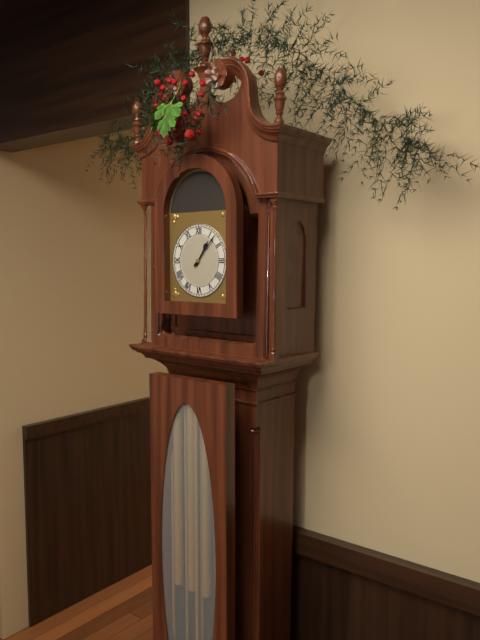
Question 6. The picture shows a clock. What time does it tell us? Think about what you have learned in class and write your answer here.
1:07
